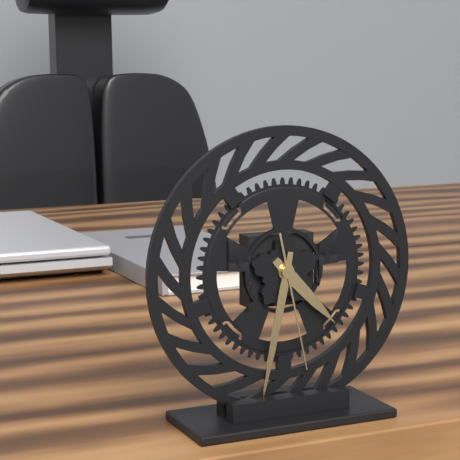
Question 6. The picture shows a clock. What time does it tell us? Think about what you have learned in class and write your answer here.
4:32:28
